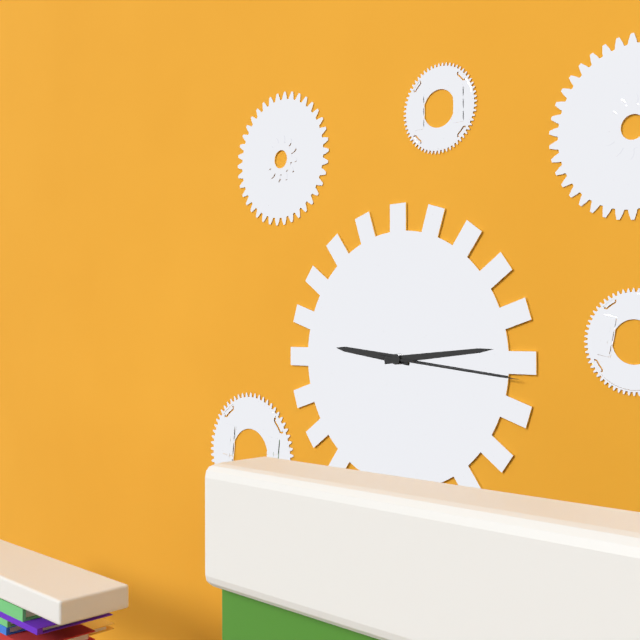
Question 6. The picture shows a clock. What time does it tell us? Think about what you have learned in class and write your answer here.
9:14:16
